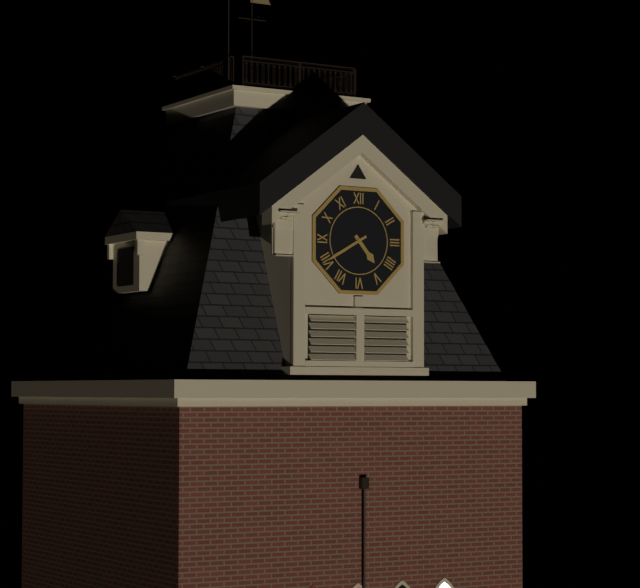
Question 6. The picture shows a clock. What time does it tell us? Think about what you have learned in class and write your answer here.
4:40
